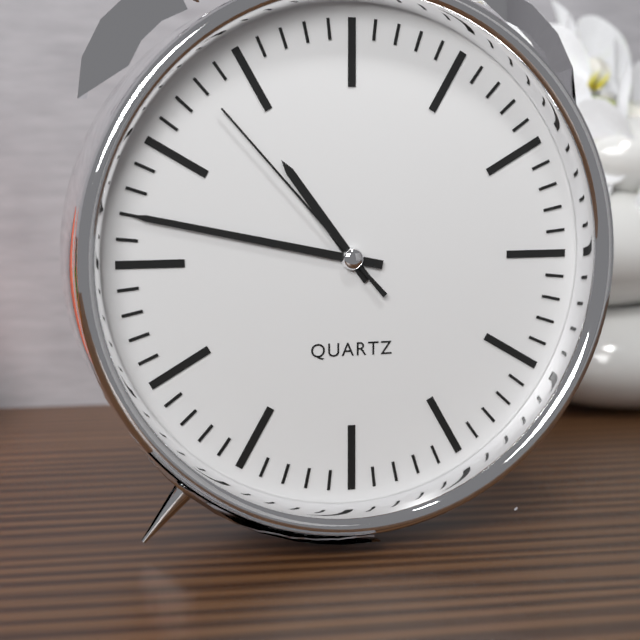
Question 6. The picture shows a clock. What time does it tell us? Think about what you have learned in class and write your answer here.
10:47:53
